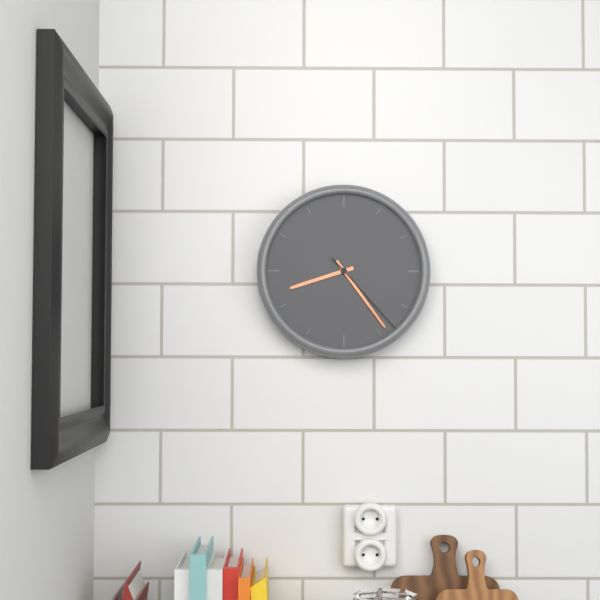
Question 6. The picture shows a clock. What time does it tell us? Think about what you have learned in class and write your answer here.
8:24:23
